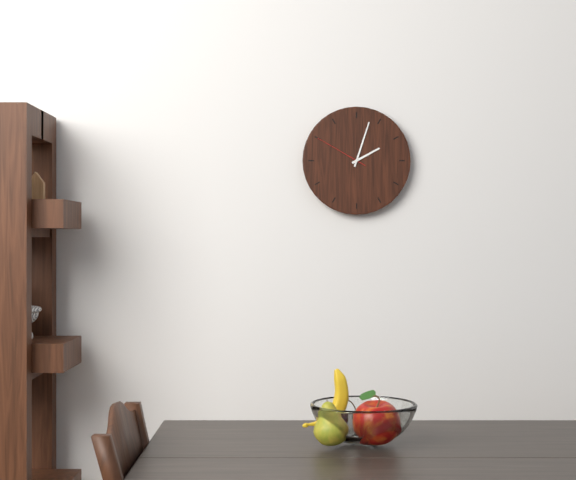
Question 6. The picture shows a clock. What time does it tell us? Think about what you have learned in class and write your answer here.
2:03:50
